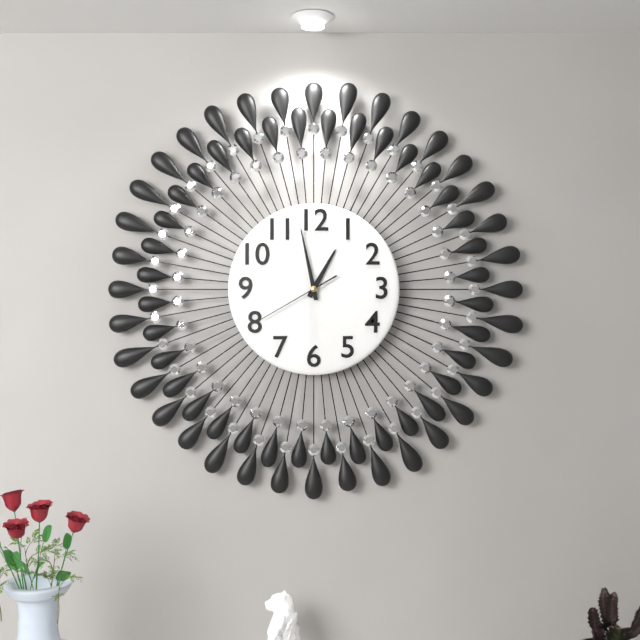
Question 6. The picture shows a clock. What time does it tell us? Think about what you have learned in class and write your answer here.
12:58:40
